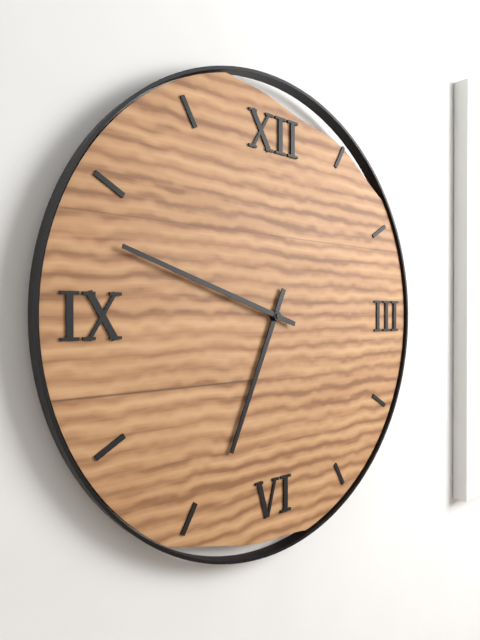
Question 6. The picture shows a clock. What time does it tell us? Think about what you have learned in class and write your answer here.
6:48
